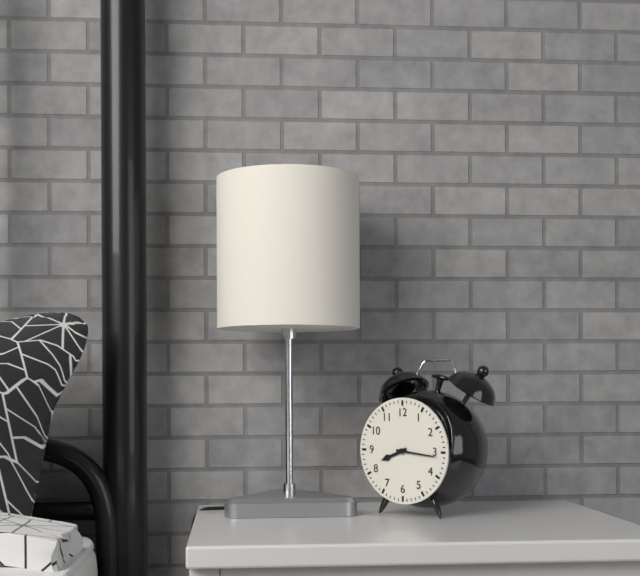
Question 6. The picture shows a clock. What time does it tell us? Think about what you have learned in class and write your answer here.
8:16
